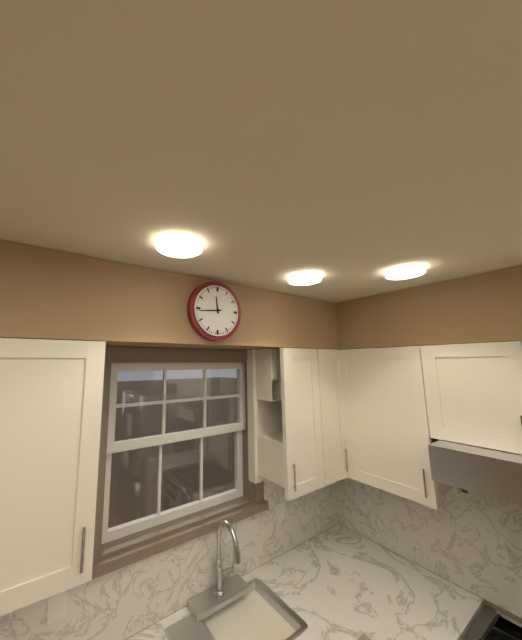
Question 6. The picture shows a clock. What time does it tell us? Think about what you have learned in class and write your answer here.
11:44
